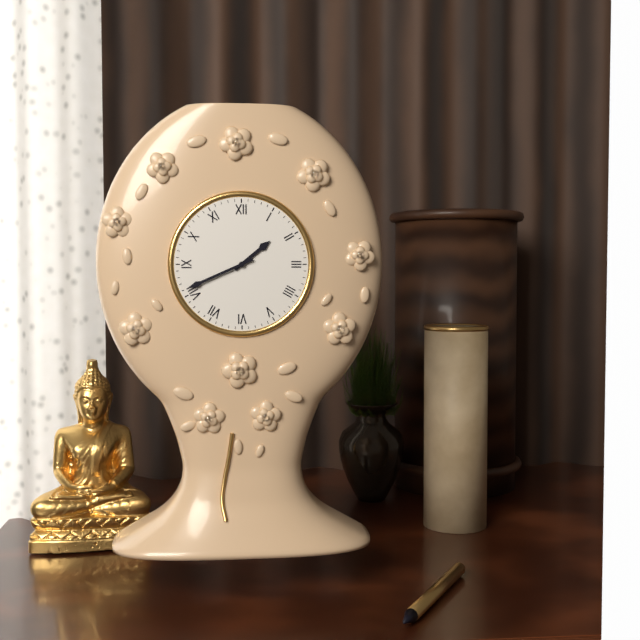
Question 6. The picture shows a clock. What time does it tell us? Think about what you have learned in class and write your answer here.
1:41
